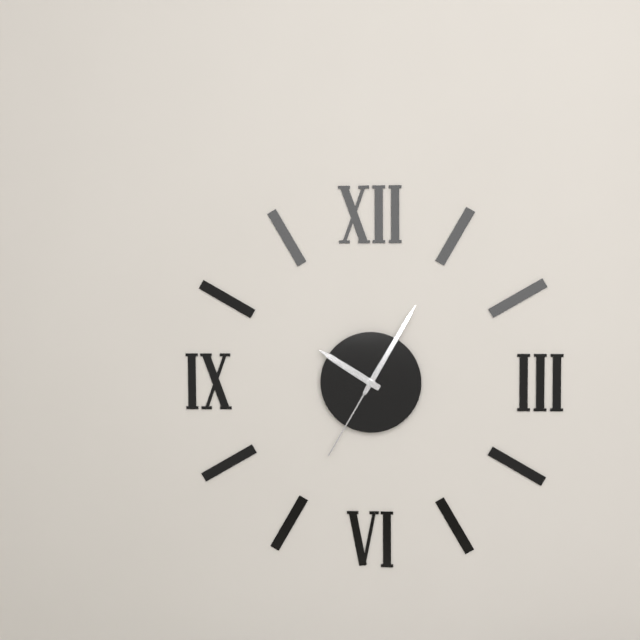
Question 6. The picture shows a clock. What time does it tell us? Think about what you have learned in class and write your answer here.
10:05:35
